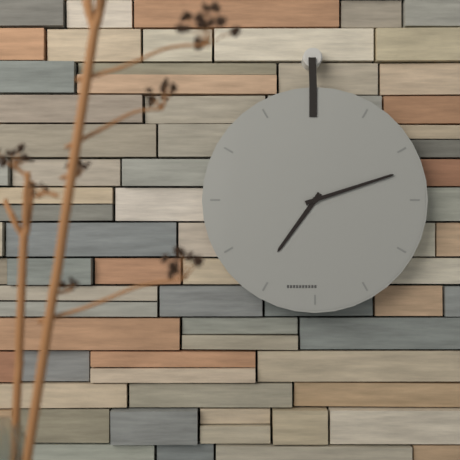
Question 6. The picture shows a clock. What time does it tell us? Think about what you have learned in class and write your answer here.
7:12
